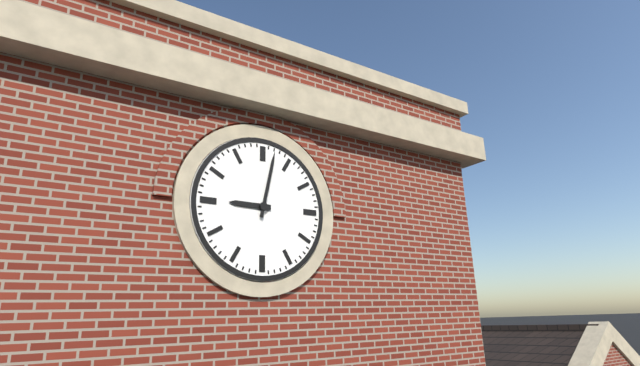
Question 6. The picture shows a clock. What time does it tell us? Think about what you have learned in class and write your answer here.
9:02
